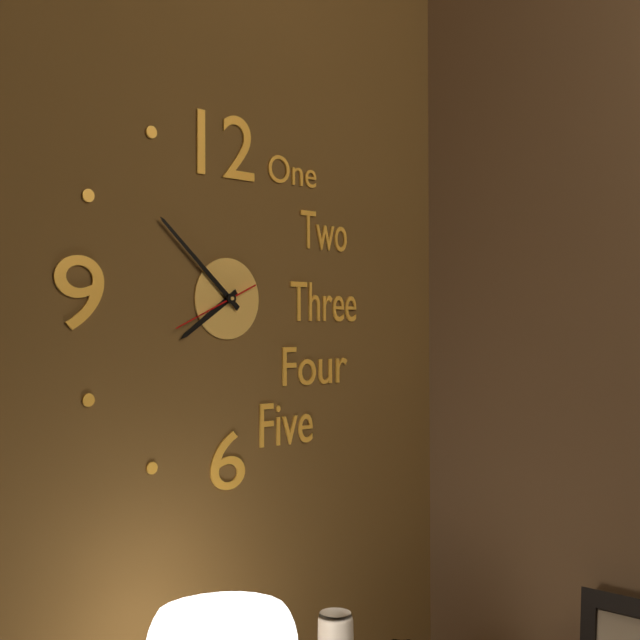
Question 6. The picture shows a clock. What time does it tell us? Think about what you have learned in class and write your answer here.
7:52:41
